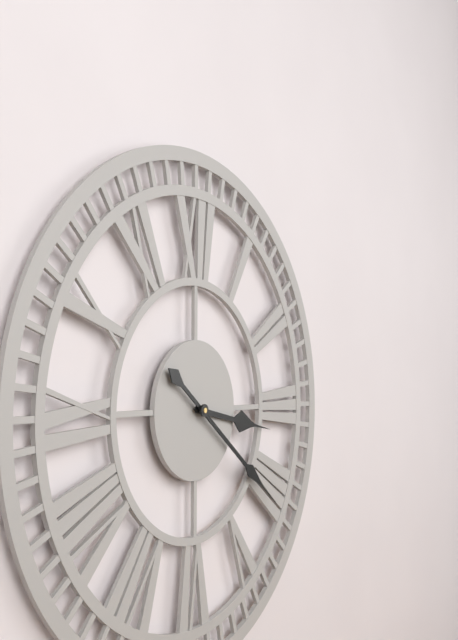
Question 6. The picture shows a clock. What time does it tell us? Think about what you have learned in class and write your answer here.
3:21
